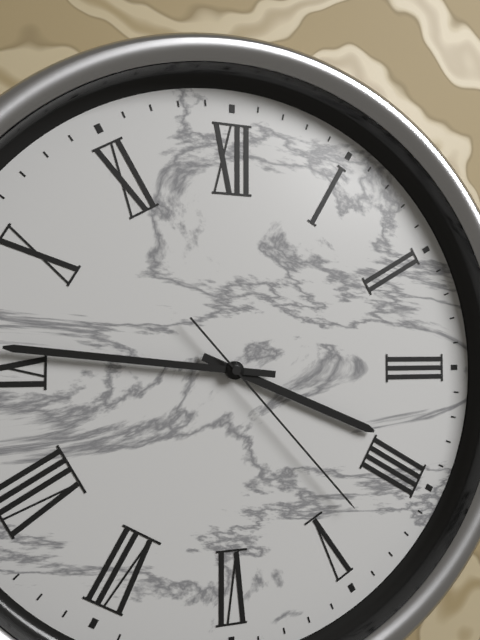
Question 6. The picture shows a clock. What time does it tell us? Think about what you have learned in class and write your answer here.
3:46:23
